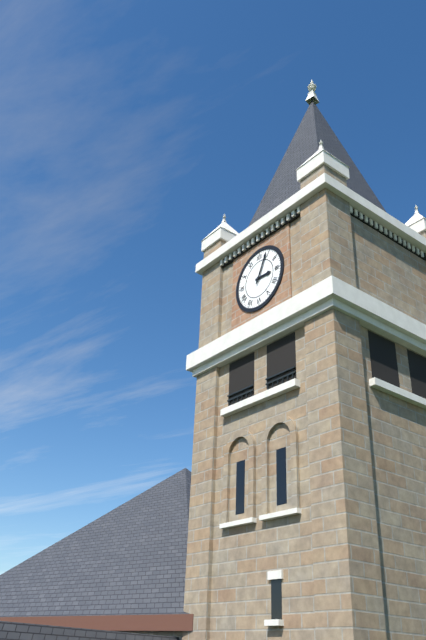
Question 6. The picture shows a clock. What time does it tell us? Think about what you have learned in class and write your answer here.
3:04
